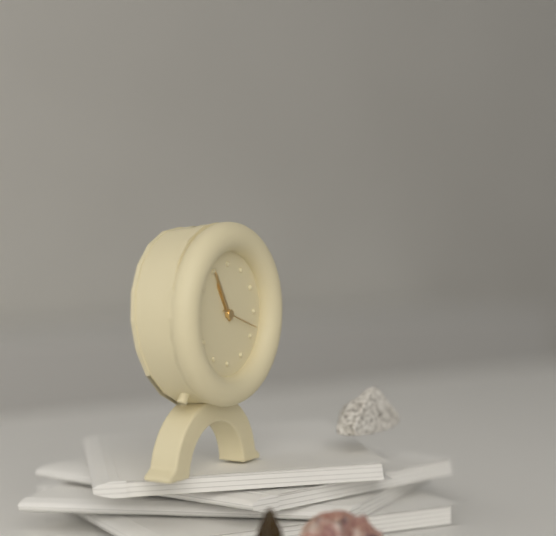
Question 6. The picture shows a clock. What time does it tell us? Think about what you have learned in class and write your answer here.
10:55
